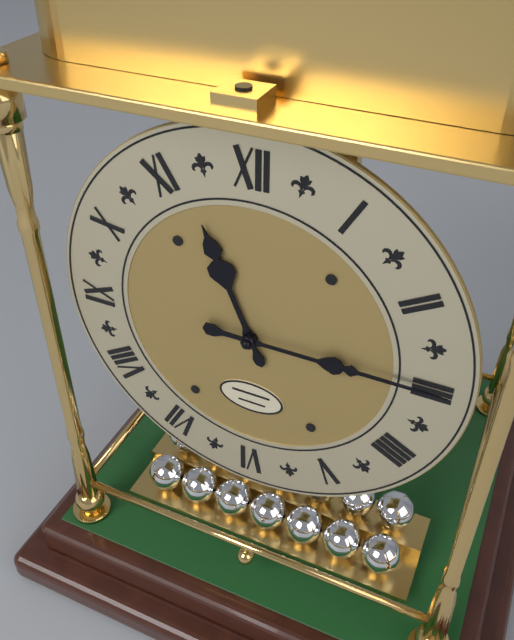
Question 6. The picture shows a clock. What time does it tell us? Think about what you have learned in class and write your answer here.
11:15
